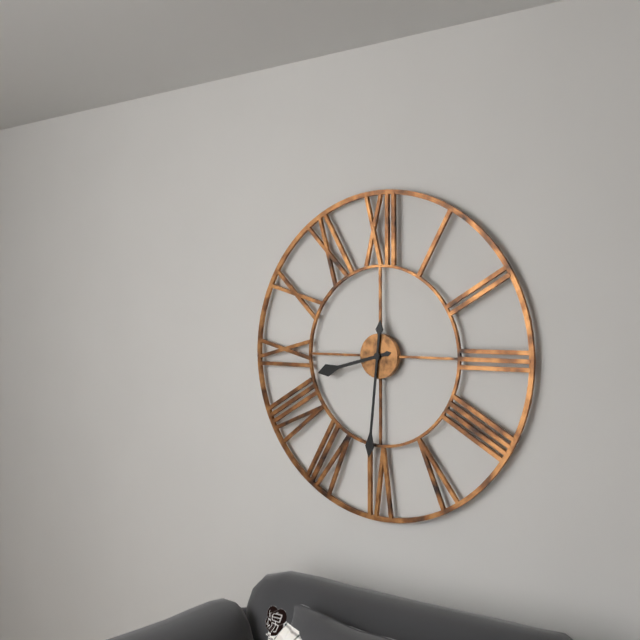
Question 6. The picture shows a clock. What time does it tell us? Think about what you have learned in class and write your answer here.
8:31
